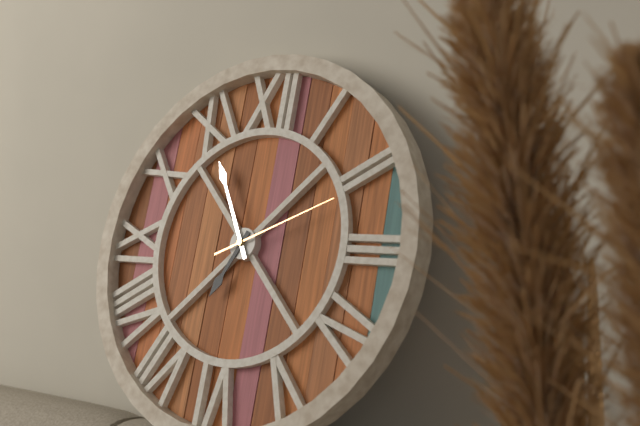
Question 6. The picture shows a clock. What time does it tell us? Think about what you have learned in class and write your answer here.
6:55:11
